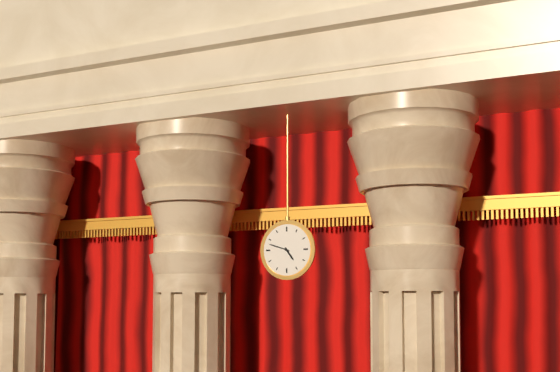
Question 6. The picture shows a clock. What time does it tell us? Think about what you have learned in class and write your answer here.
4:48
